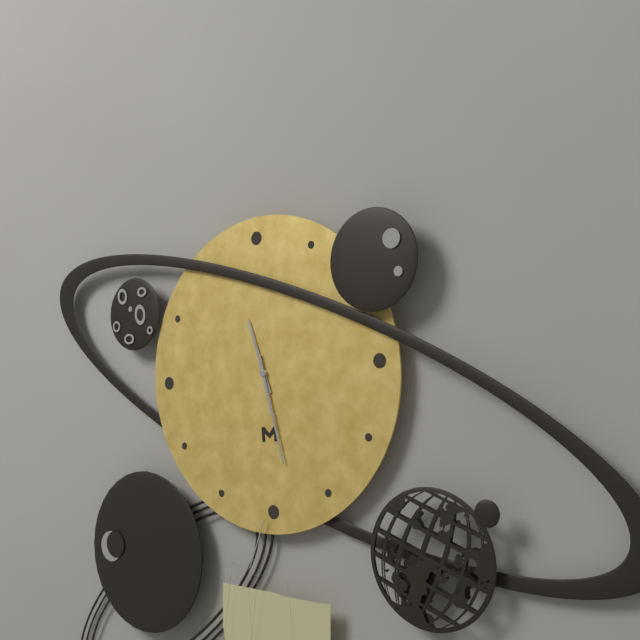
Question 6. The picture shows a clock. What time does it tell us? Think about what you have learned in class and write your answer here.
11:28
